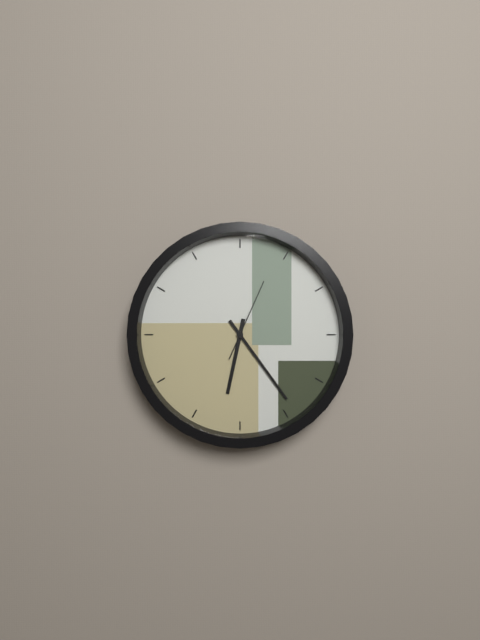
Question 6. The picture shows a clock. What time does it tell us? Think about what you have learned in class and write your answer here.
6:24:04
